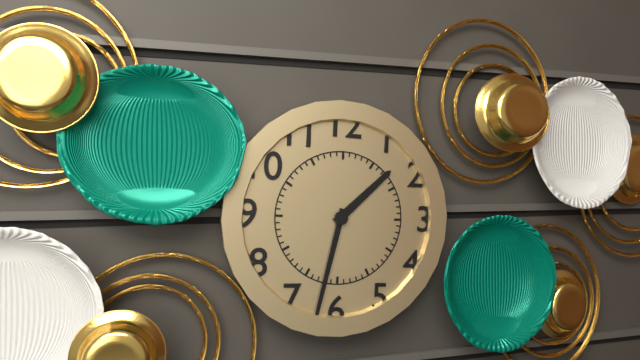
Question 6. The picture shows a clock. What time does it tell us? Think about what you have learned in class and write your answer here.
1:32
